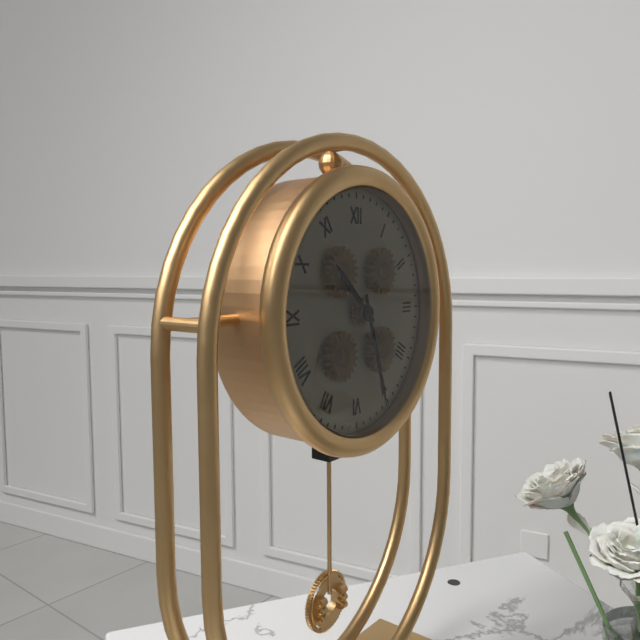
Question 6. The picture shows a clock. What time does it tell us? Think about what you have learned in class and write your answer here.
10:27
